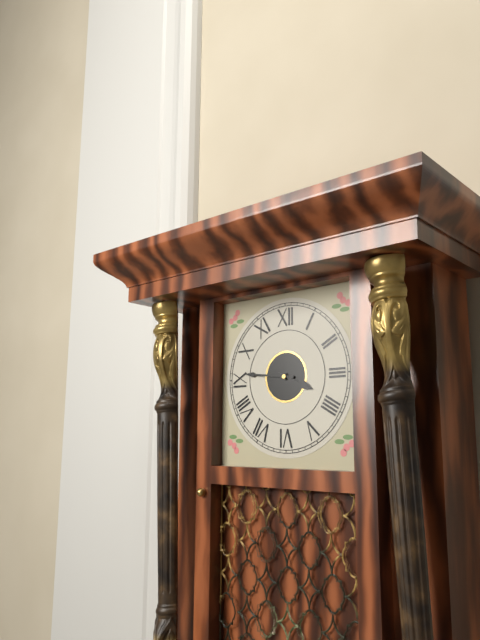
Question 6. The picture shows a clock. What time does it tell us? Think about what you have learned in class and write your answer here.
3:46
